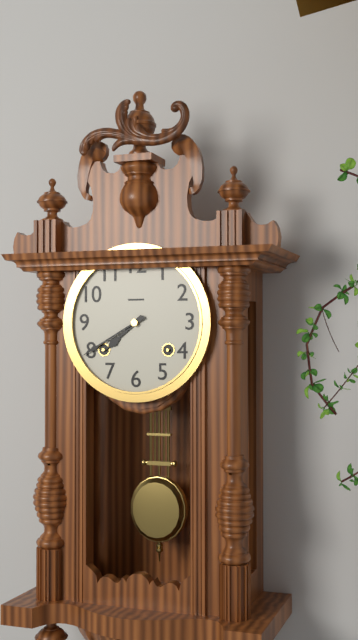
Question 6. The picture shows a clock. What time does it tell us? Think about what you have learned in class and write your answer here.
7:40
